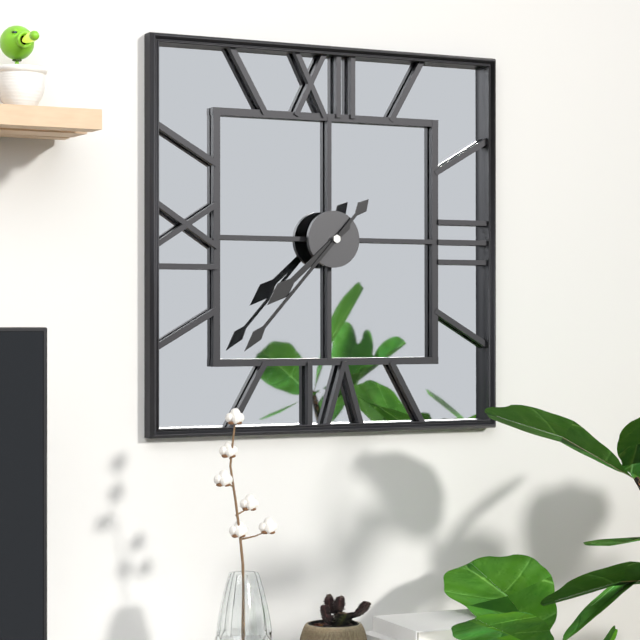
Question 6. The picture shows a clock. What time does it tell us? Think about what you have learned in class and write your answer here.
7:37
